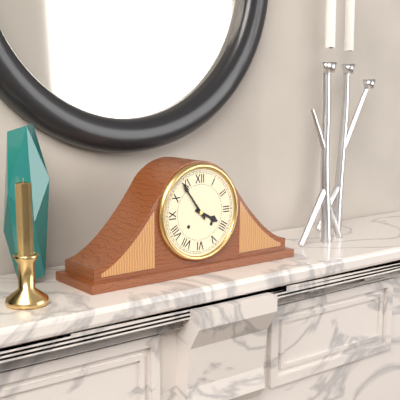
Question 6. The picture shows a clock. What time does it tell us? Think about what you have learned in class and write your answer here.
3:54
